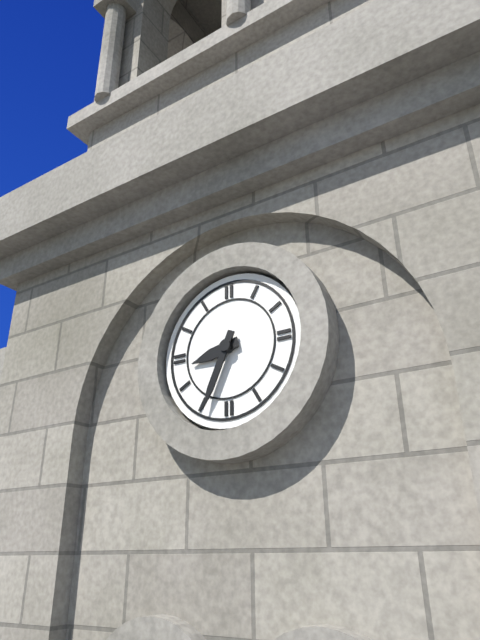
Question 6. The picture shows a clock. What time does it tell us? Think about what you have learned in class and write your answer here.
8:34
